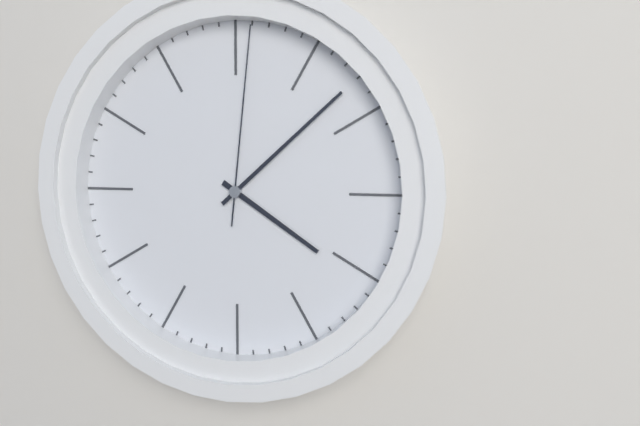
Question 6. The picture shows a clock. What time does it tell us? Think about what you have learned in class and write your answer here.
4:08:01
